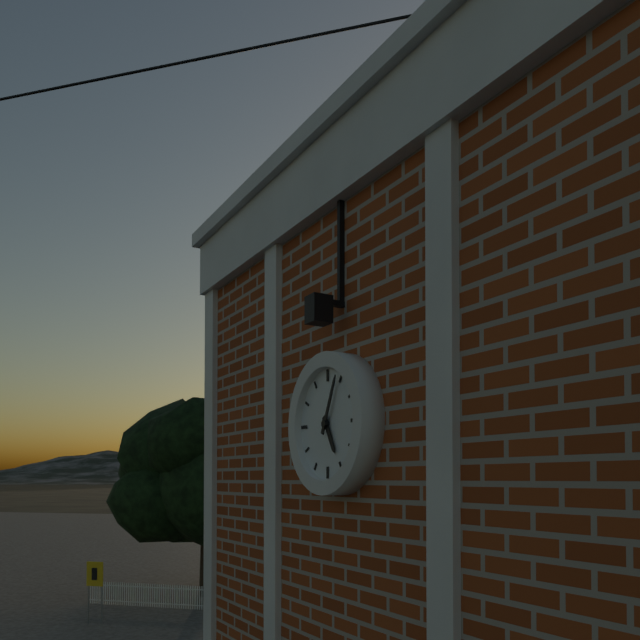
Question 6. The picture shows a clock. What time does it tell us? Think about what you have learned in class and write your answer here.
5:04
